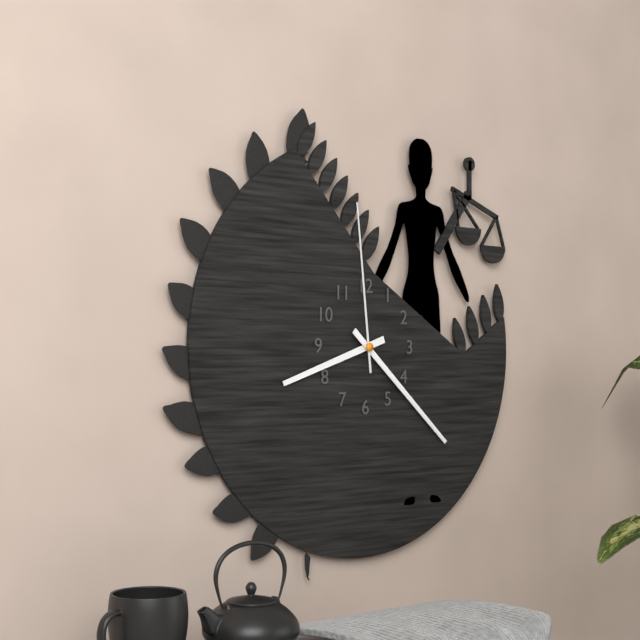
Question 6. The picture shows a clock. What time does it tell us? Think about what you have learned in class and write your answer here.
8:22:59
